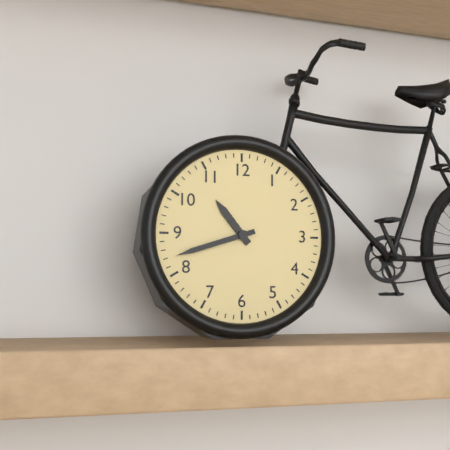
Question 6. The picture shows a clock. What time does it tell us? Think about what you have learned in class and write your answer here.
10:42
